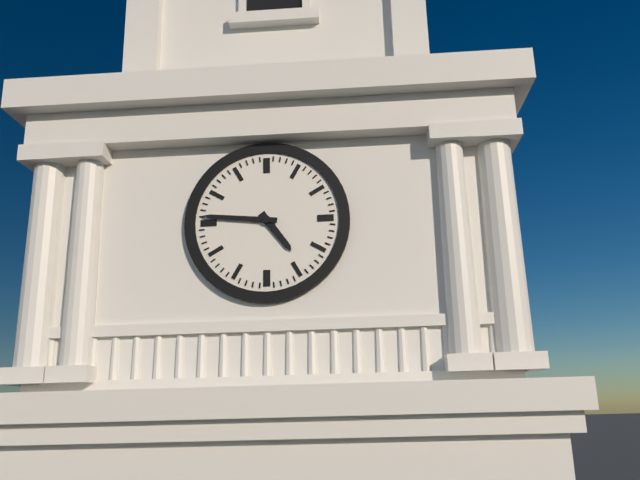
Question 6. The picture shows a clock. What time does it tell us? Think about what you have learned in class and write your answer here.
4:46
